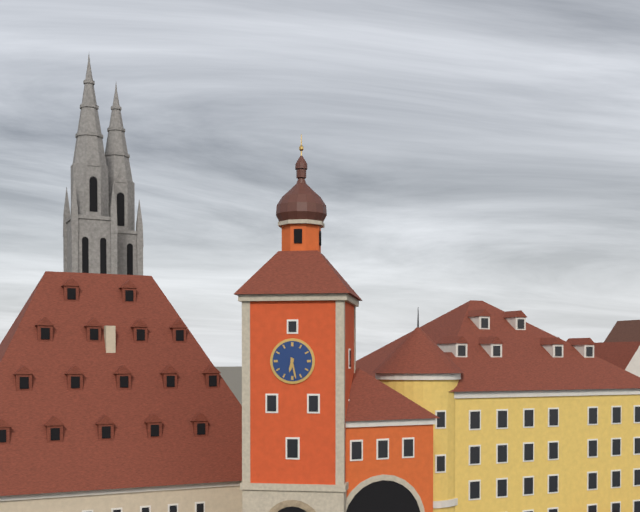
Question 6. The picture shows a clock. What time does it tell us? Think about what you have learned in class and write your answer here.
6:28
